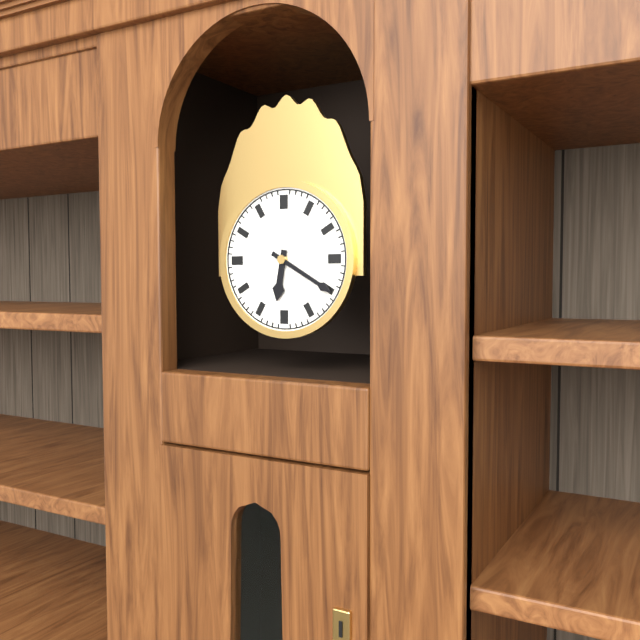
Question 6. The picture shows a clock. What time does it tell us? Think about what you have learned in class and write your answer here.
6:20
